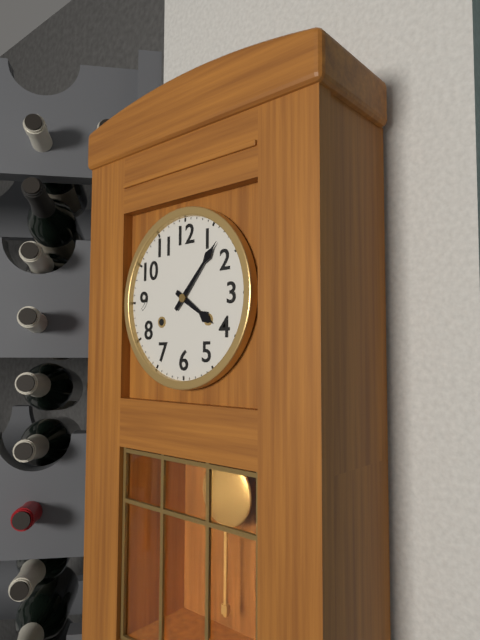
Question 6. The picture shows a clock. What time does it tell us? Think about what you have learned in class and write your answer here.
4:07
